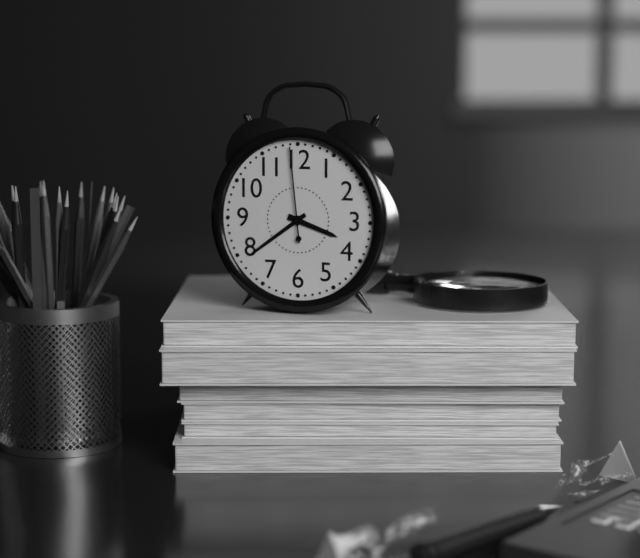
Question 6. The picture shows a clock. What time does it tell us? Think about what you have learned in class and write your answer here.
3:39:59
